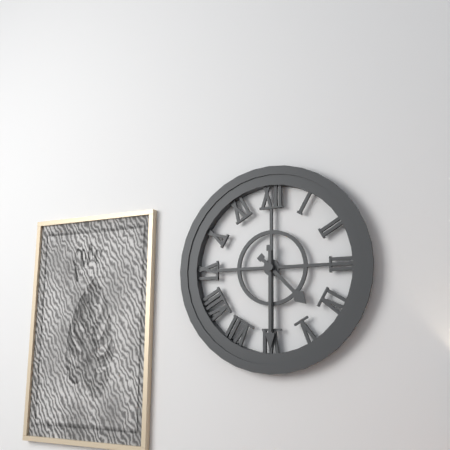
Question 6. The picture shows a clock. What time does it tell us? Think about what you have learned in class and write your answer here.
4:30
